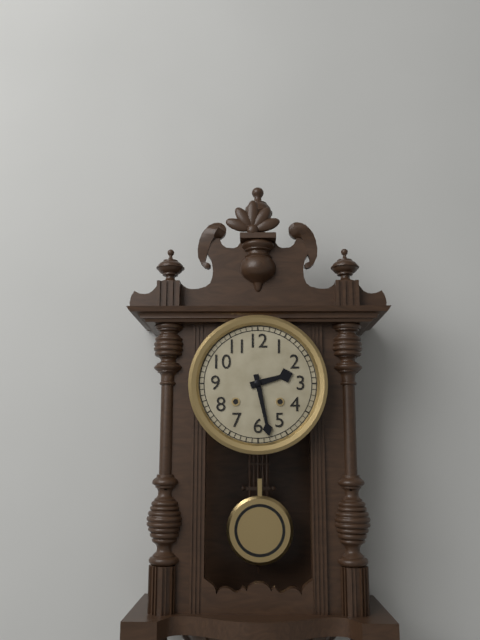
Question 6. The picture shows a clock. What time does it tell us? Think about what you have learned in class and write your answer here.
2:28
